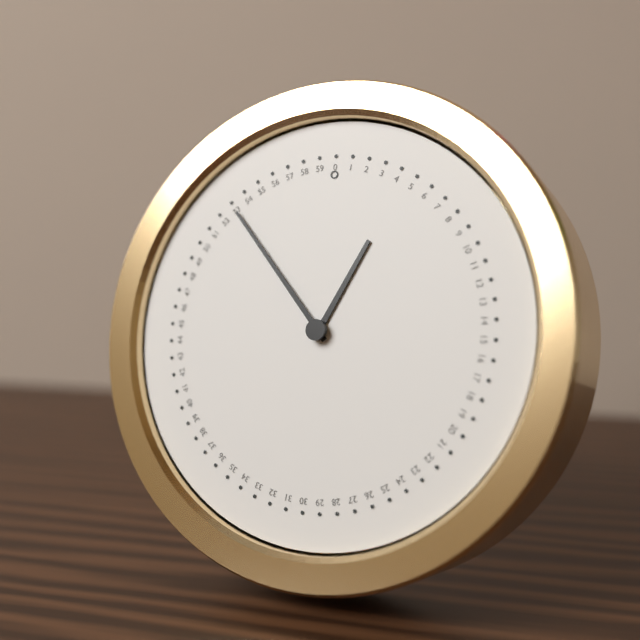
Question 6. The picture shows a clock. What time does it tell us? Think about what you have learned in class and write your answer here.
12:53
